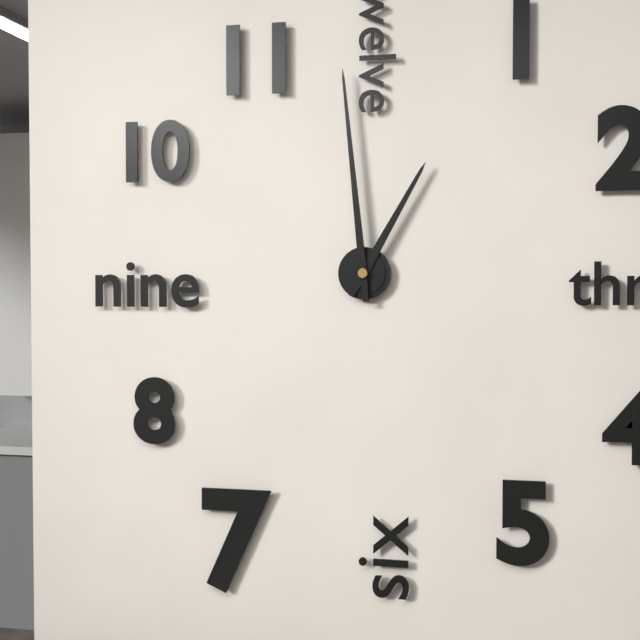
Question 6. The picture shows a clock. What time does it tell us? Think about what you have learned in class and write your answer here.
12:59
